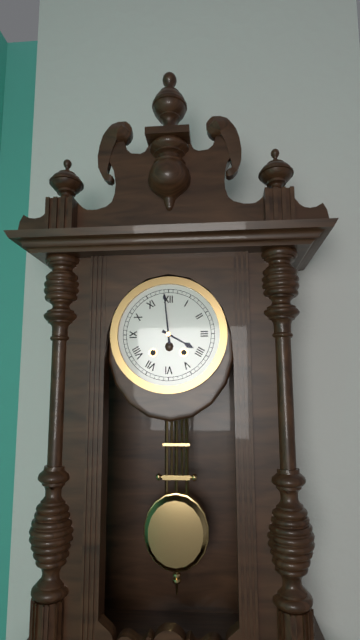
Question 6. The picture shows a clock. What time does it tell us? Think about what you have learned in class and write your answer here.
3:59
